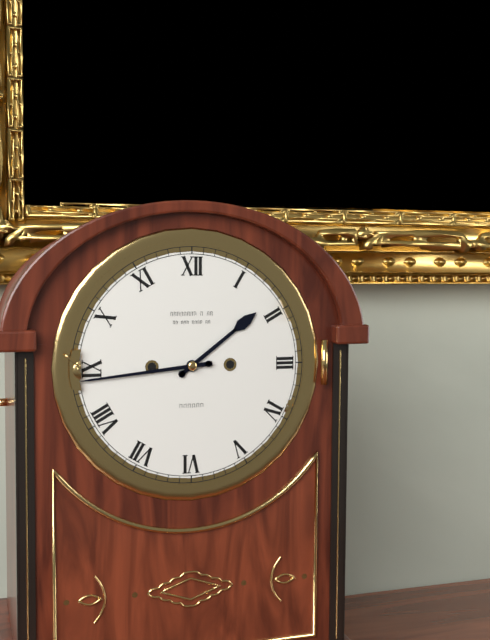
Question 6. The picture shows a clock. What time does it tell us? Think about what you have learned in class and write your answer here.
1:44
